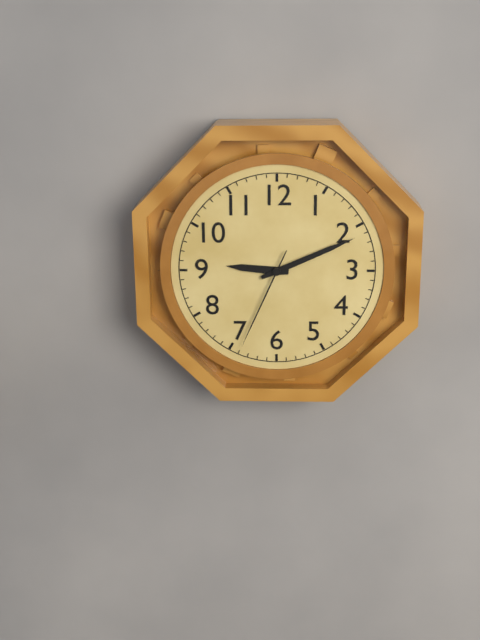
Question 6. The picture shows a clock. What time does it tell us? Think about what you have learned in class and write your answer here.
9:11:34
